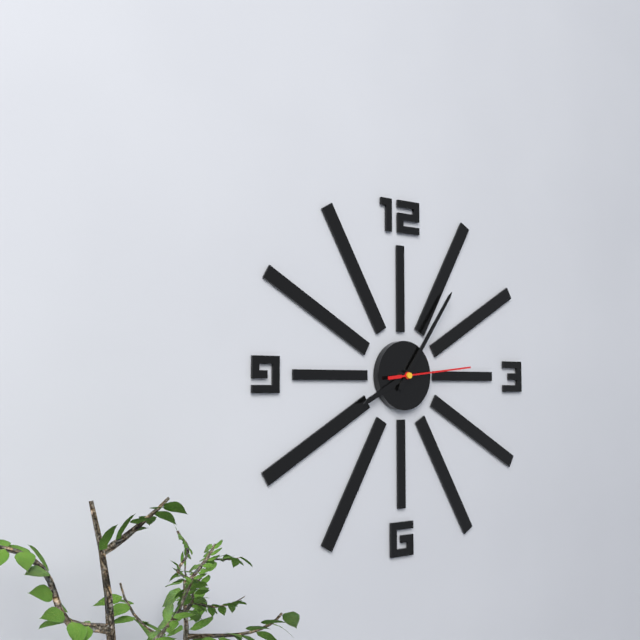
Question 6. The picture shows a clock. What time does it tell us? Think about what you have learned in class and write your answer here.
8:06:14
